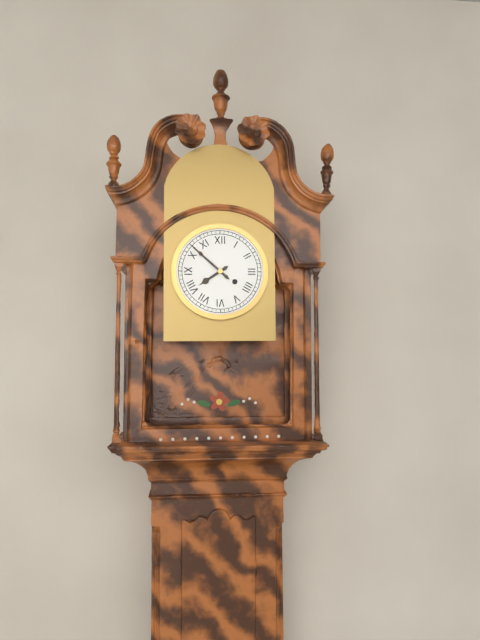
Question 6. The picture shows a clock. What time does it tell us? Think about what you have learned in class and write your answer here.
7:52
